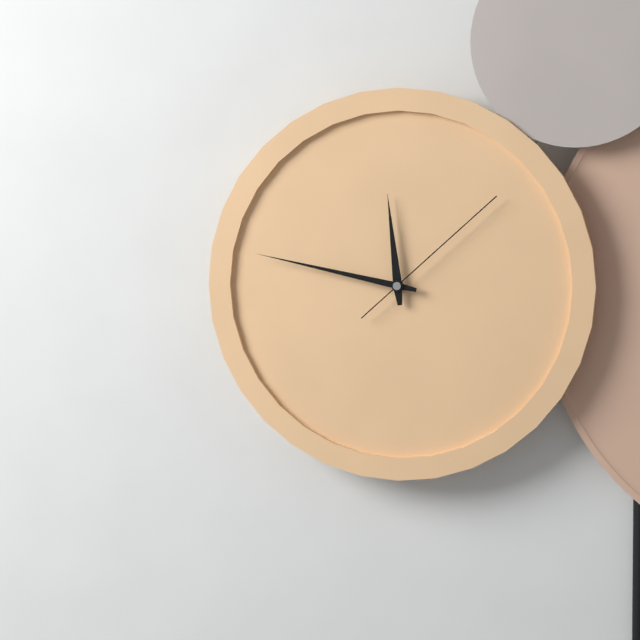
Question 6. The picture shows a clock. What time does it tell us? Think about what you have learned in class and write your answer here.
11:47:08
